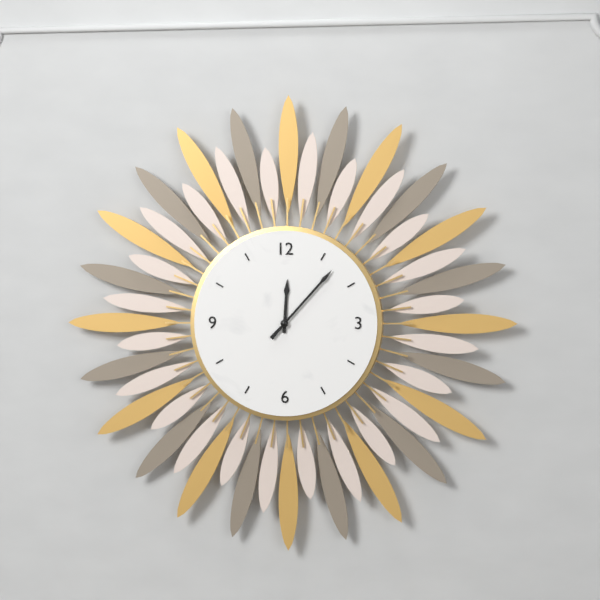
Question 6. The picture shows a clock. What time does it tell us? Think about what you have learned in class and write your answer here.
12:07
